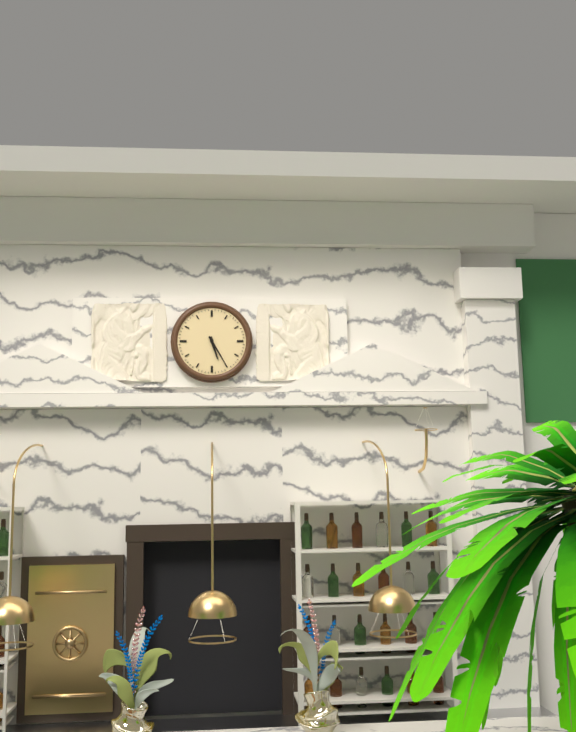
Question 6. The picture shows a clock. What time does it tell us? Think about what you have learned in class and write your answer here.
5:25
